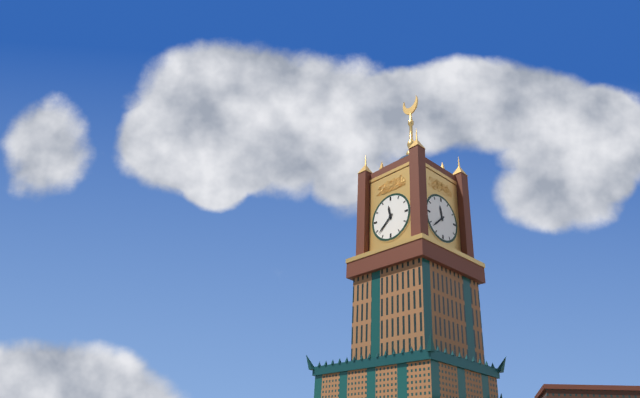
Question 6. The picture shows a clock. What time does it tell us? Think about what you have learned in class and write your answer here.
11:38
